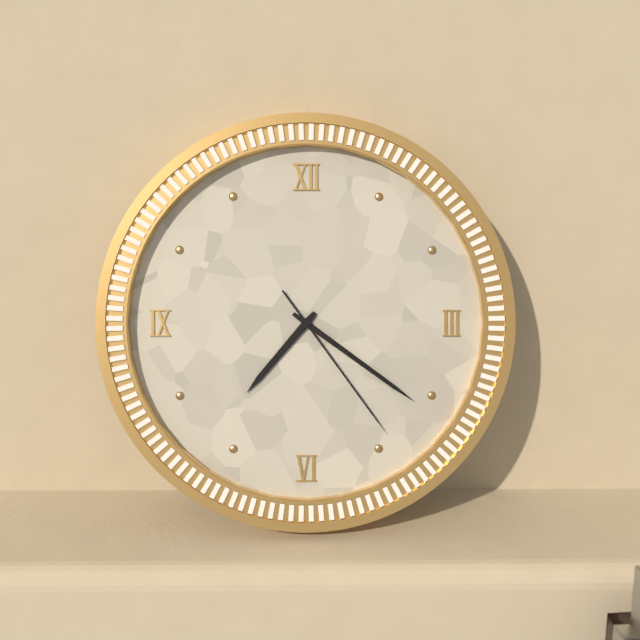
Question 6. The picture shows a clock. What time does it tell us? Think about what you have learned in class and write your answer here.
7:21:24
